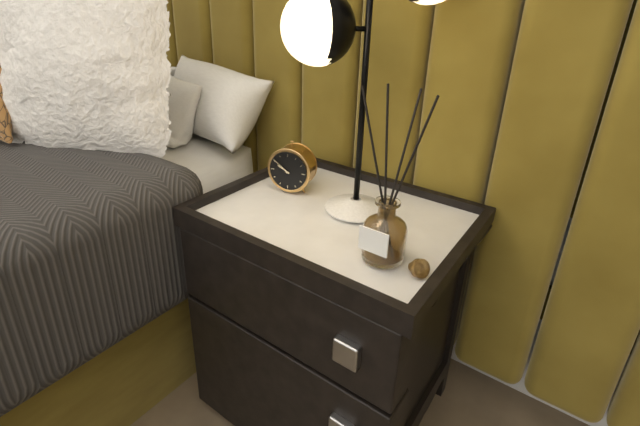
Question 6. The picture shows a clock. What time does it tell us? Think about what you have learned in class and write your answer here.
9:51
